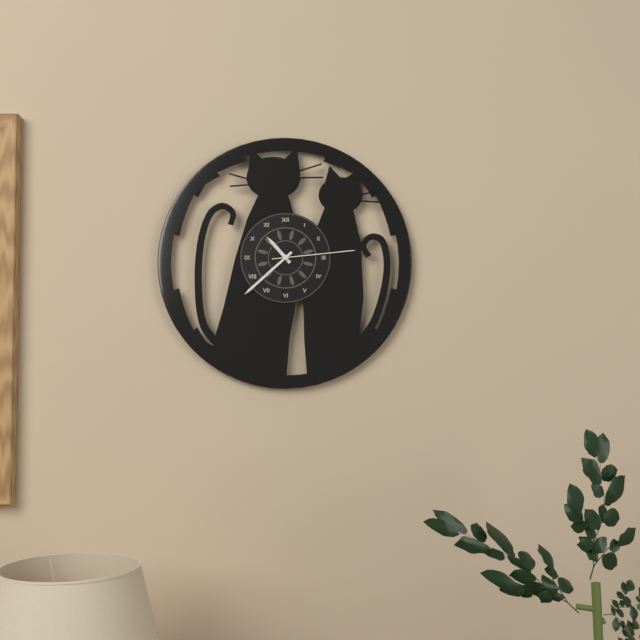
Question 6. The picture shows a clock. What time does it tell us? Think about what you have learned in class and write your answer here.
10:38:14
